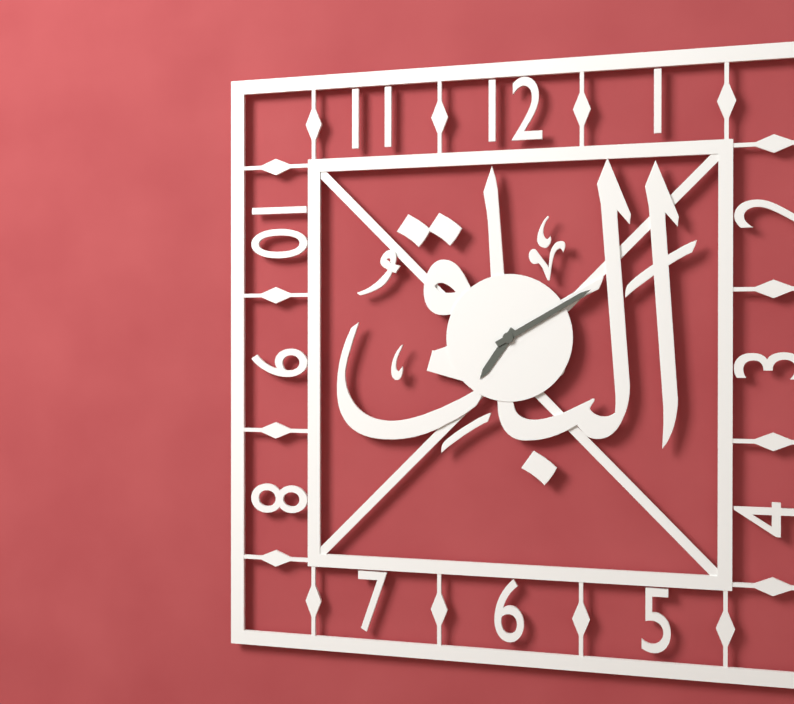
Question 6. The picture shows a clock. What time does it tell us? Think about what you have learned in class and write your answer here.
7:10
